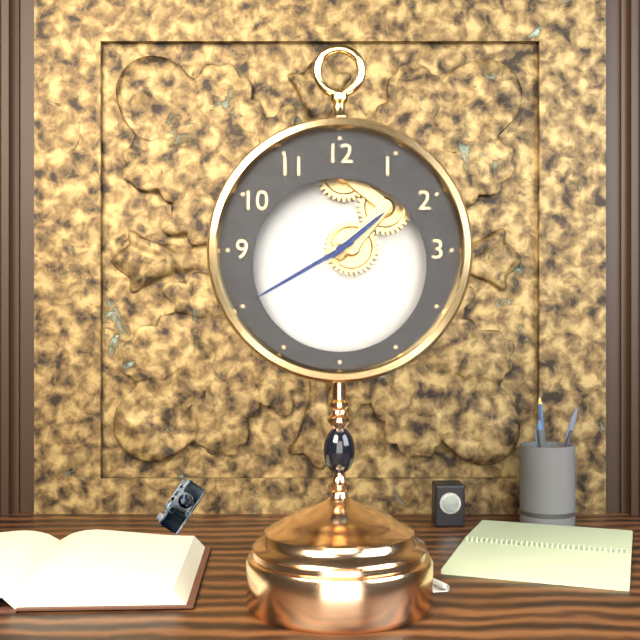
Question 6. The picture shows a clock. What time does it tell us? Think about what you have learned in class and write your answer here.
1:40
